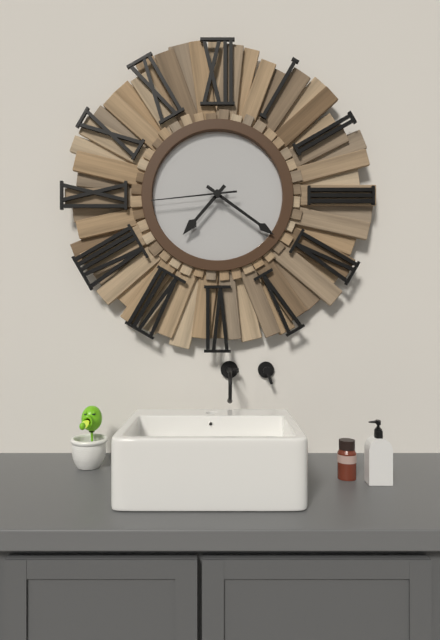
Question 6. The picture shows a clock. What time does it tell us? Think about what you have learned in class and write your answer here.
7:21:44
